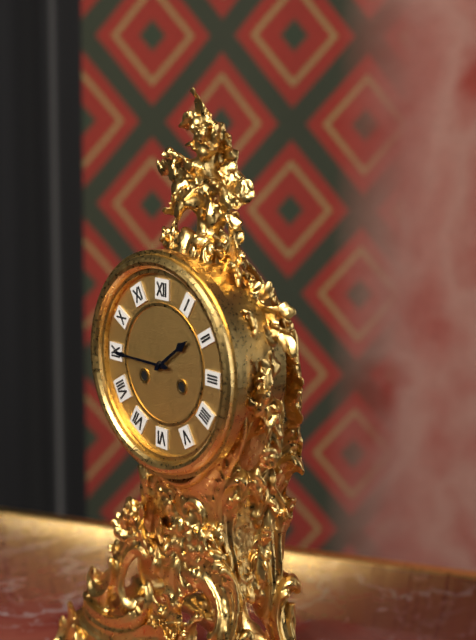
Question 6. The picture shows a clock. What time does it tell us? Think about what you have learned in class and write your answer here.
1:45
